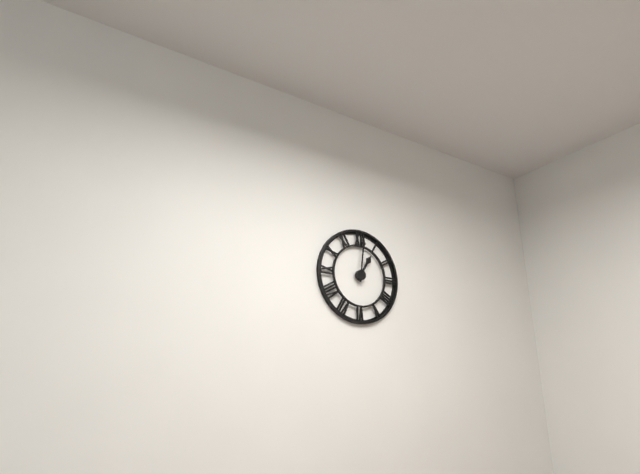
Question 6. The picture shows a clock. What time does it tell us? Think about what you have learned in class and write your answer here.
1:01
